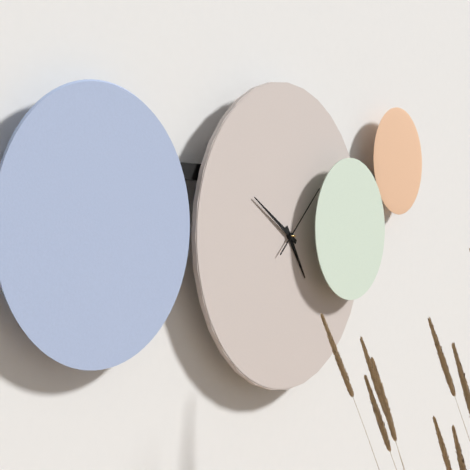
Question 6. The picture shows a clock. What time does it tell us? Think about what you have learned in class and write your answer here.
4:50:08
